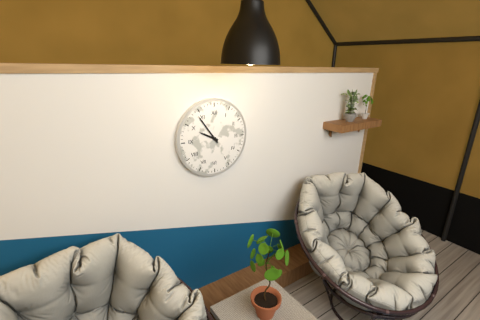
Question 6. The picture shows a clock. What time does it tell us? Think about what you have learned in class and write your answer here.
9:54
